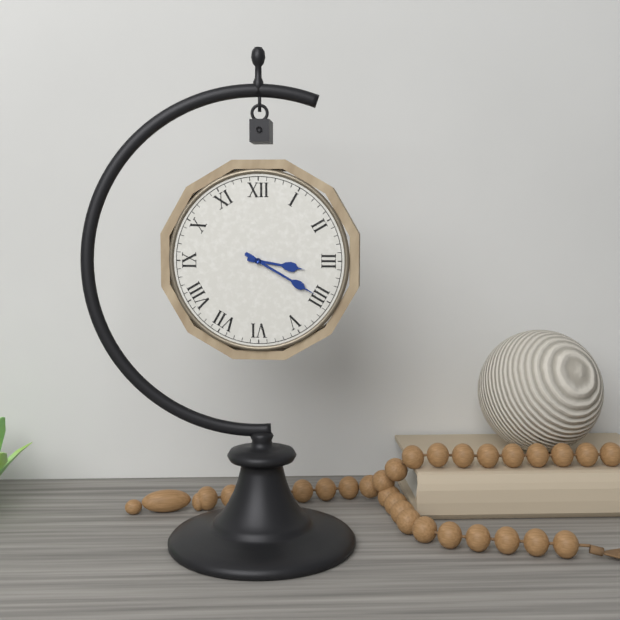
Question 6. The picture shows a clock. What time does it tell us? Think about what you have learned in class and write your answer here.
3:20
